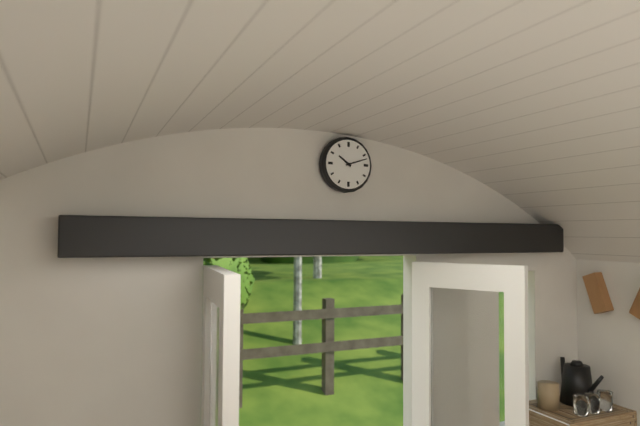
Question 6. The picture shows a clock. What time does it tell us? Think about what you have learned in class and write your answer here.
10:12
